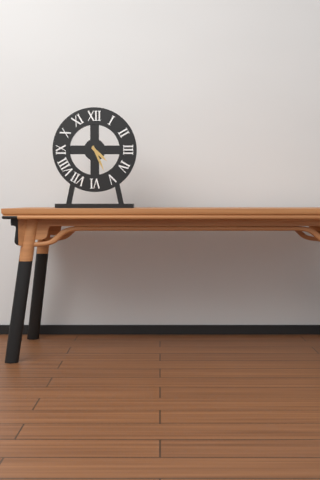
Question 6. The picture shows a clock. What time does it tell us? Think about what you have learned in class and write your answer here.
4:26
